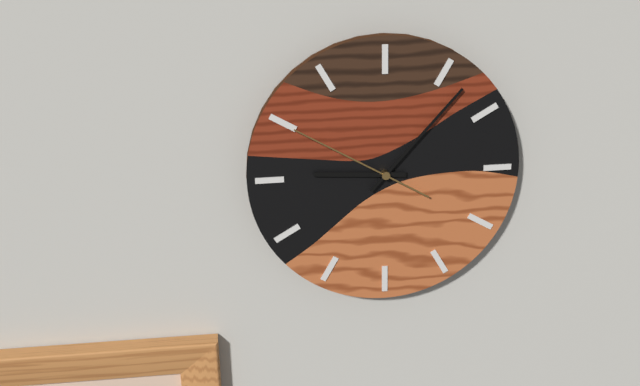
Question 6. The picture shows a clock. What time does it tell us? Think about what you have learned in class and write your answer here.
9:07:50
